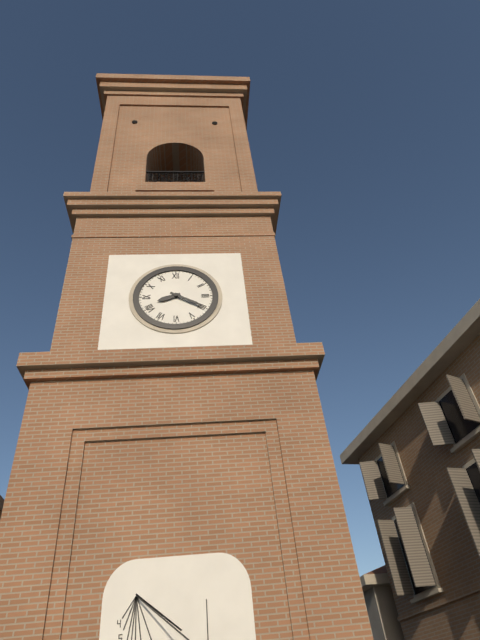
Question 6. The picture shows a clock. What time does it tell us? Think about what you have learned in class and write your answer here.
8:20
